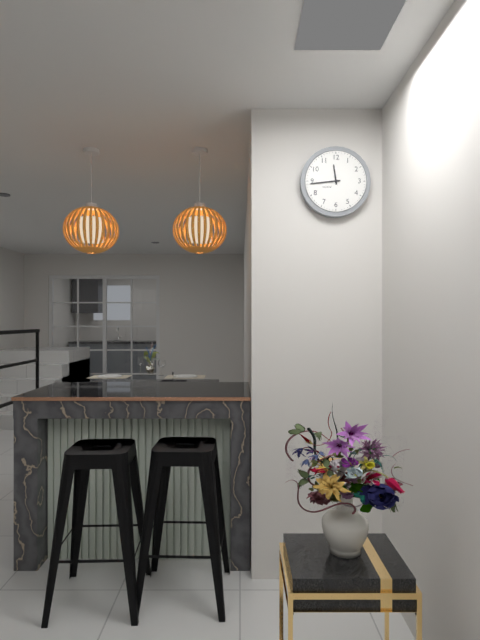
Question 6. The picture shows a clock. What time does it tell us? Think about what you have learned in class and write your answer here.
11:44
